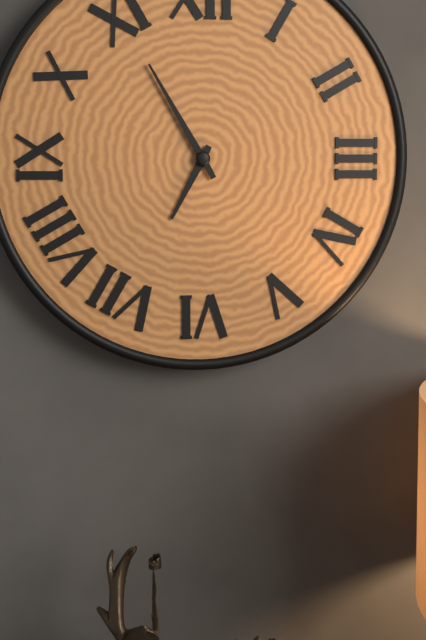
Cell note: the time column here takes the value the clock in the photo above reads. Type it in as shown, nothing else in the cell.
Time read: 6:55
